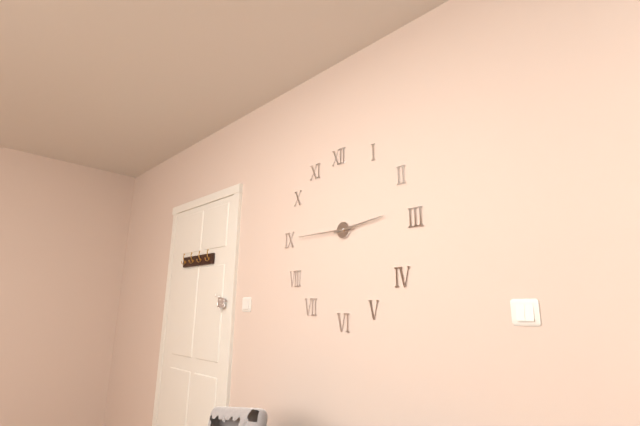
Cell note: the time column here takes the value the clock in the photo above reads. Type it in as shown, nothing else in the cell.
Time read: 2:45
